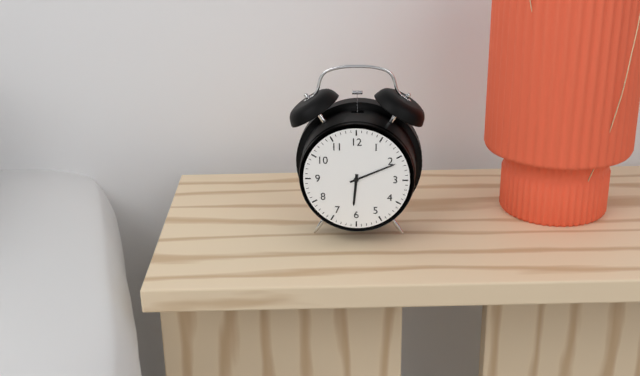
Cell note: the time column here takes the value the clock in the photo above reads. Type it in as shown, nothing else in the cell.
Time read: 6:11
